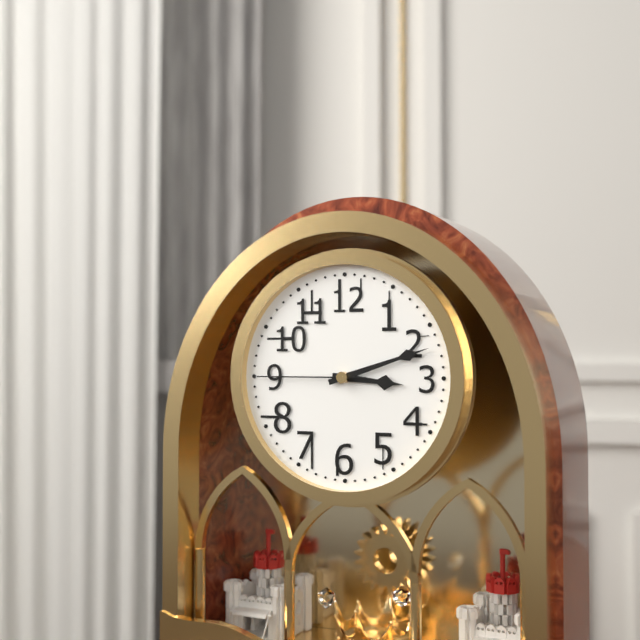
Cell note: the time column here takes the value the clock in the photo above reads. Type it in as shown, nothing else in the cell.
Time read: 3:12:45
